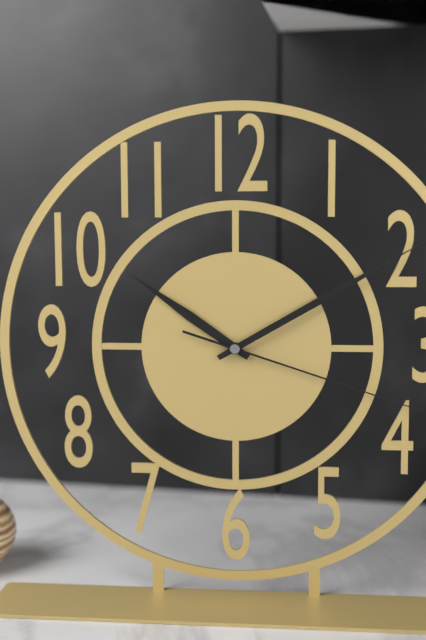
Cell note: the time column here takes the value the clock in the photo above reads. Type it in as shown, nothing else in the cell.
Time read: 10:10:18
